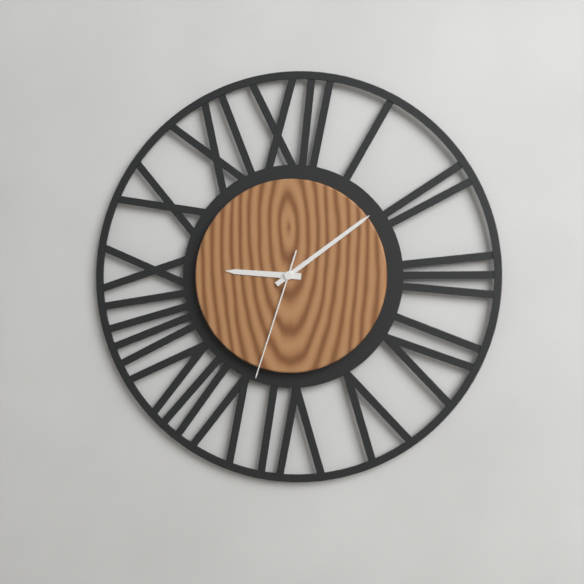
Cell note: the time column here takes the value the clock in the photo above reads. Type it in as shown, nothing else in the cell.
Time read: 9:09:33
